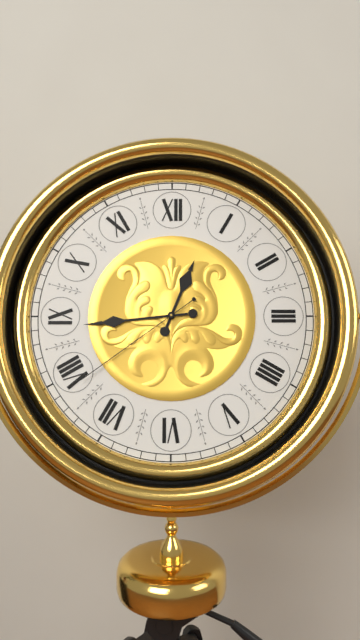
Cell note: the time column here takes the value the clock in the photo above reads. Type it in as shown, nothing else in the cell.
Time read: 12:44:39
